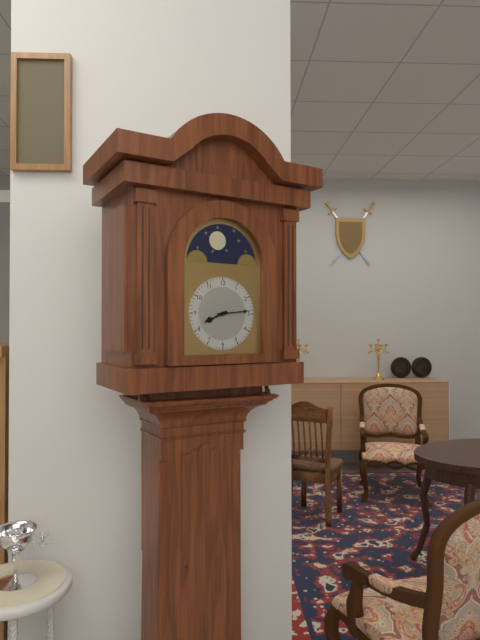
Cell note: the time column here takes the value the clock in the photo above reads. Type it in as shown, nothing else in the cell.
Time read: 8:14
